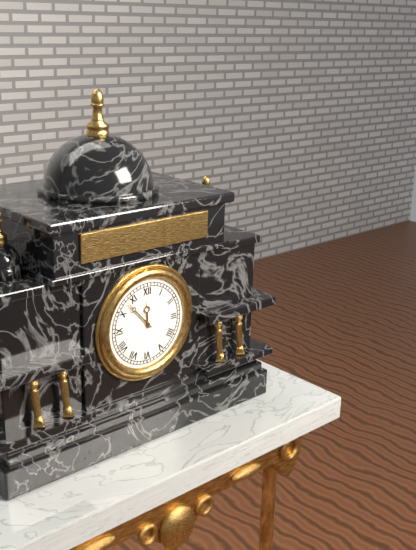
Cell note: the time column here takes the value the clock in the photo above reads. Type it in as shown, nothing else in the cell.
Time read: 11:53
